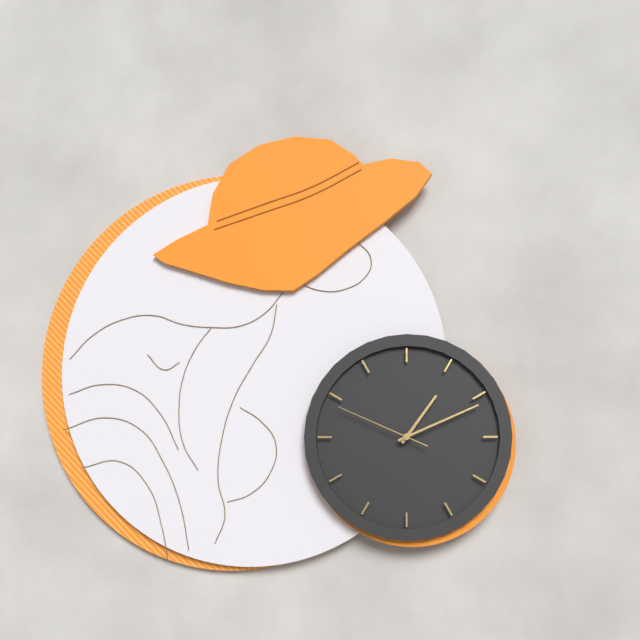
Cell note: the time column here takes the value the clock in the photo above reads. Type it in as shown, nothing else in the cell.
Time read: 1:11:49
